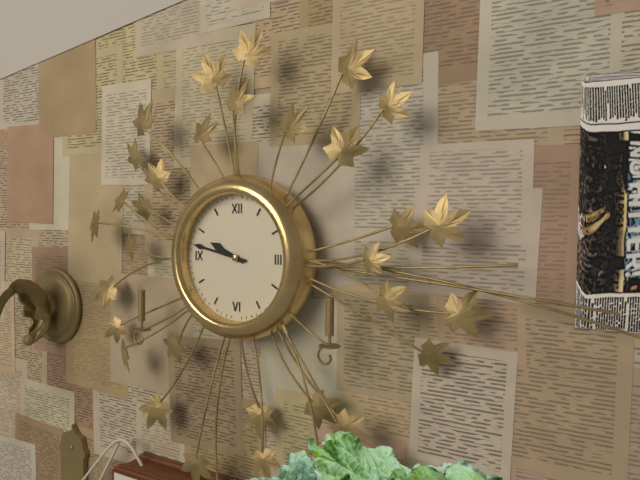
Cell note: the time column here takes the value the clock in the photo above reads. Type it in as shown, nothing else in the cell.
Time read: 9:47
